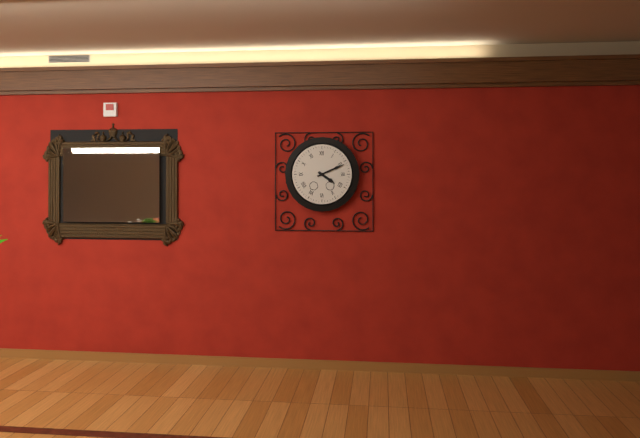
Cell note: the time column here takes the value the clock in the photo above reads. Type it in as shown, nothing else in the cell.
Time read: 4:11
